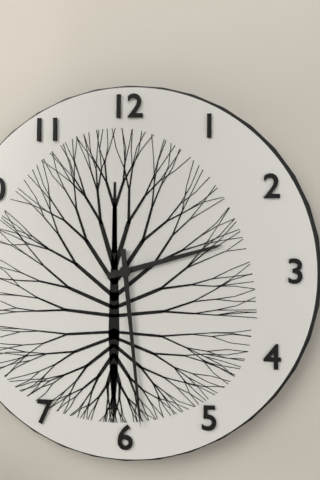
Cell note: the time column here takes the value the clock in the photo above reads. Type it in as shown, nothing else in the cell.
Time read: 2:29
